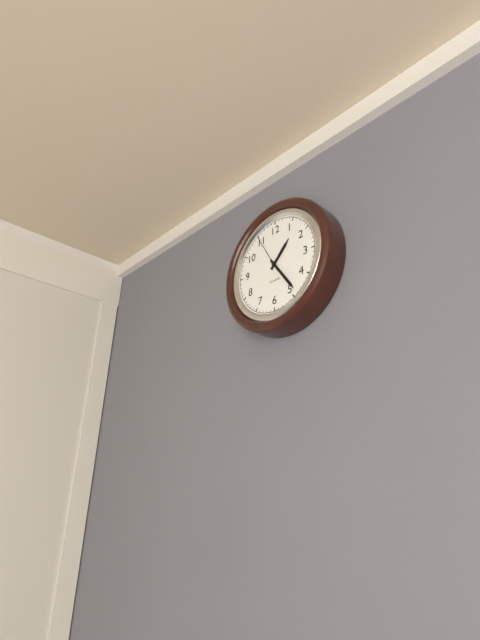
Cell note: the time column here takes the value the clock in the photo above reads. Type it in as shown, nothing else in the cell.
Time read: 1:24
